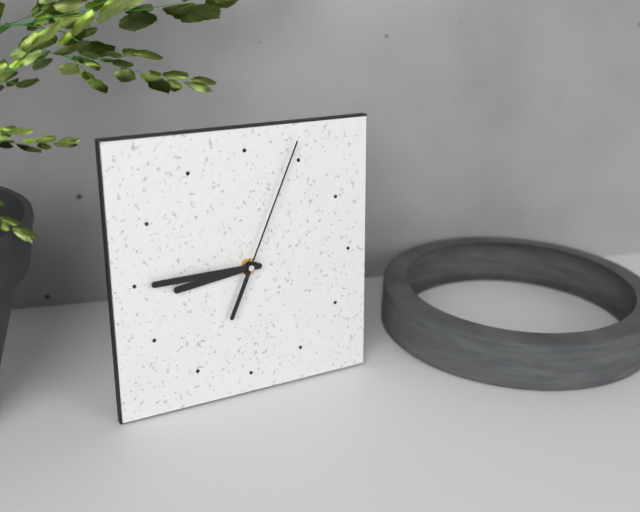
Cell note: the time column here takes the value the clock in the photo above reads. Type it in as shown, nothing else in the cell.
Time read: 8:45:04
